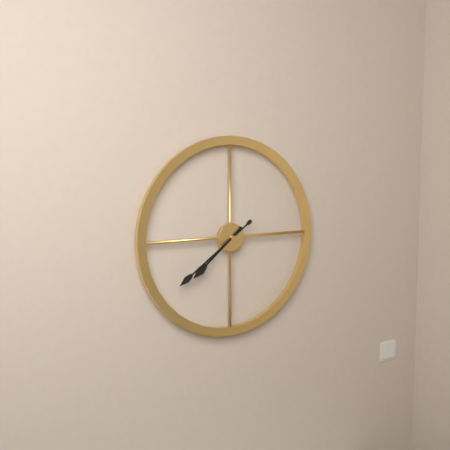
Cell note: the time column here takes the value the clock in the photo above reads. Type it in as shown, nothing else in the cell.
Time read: 7:39
